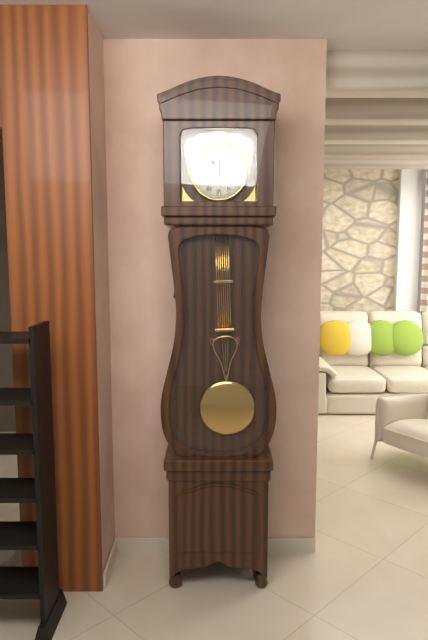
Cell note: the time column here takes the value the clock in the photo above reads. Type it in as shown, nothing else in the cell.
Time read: 11:01
